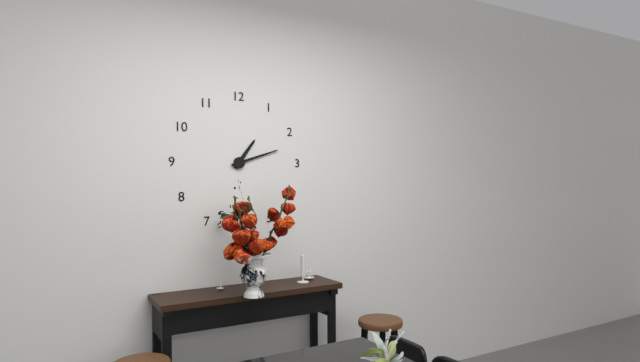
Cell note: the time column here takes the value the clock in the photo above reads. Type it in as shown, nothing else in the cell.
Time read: 1:12
